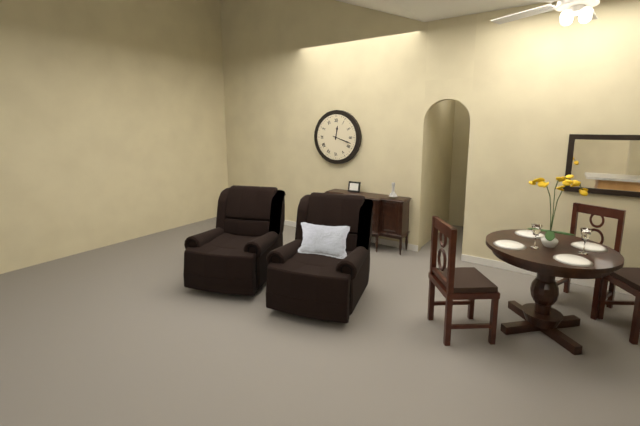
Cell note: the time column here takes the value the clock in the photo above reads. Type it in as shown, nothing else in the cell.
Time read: 12:18
